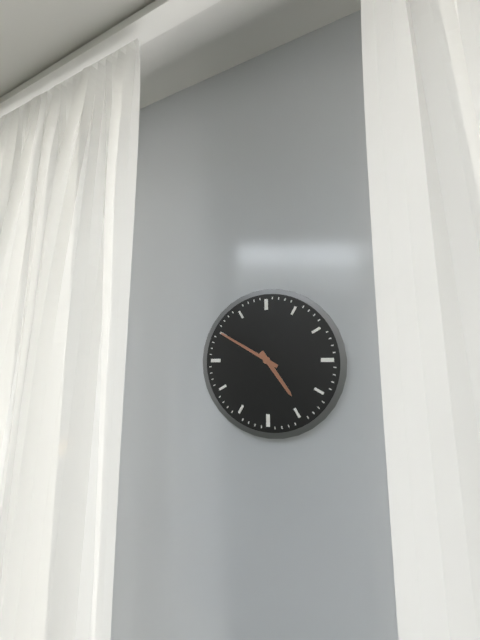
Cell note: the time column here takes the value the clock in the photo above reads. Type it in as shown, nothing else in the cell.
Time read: 4:50
